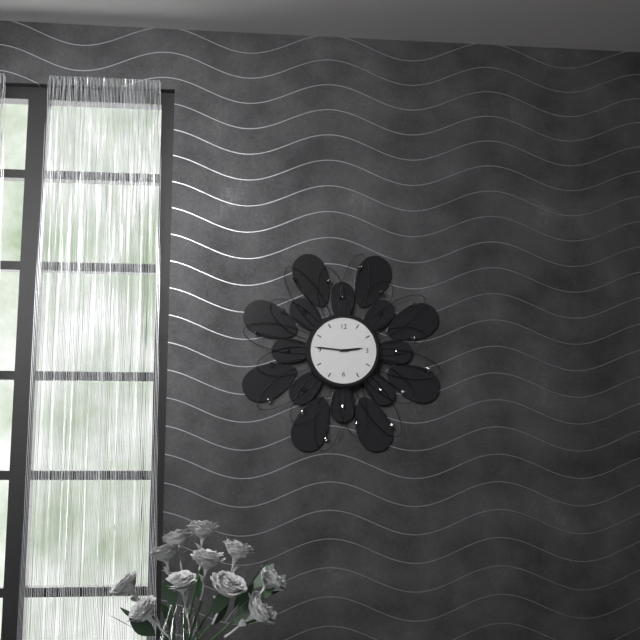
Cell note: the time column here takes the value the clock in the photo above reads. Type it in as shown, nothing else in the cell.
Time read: 2:46
